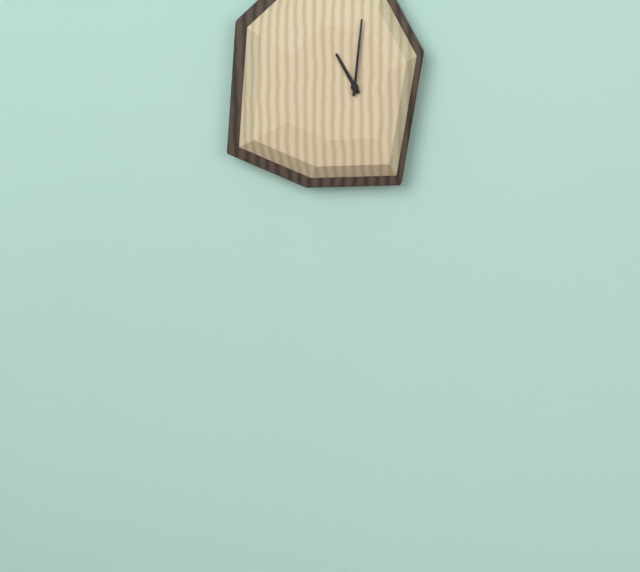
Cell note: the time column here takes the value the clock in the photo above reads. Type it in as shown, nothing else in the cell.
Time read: 11:01
